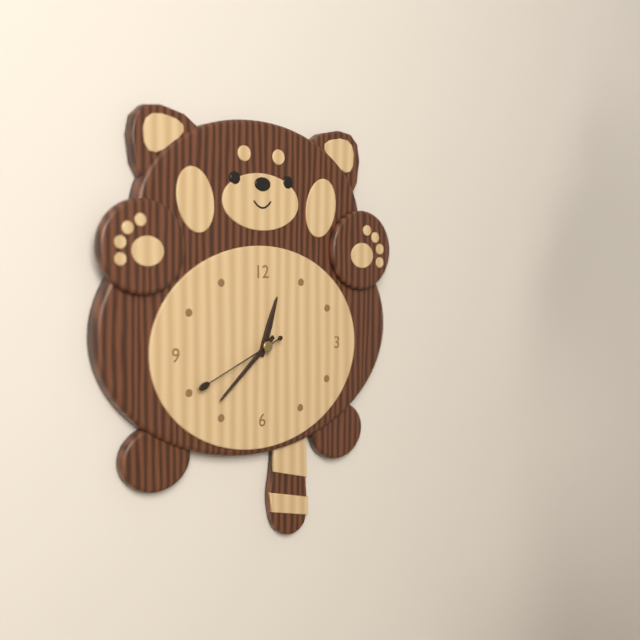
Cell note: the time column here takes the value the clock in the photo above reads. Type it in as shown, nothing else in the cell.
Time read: 12:38:41
